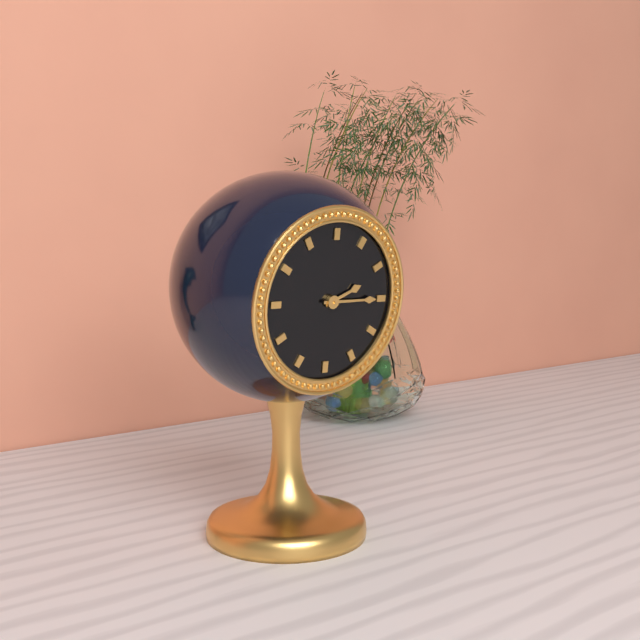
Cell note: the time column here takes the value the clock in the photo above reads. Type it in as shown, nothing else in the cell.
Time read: 2:15
